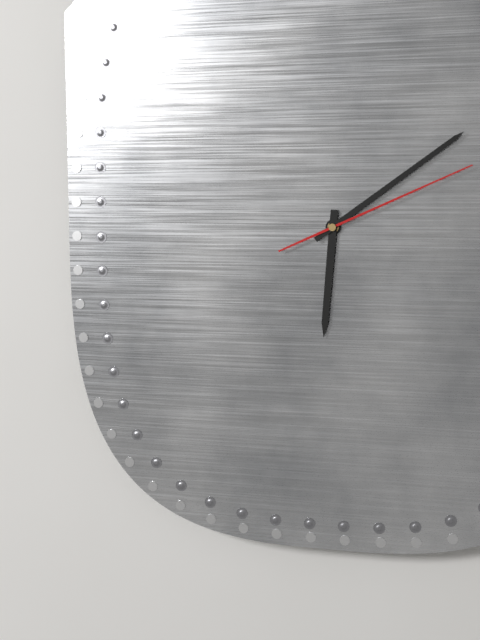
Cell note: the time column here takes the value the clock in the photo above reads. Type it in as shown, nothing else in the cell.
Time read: 6:09:11
